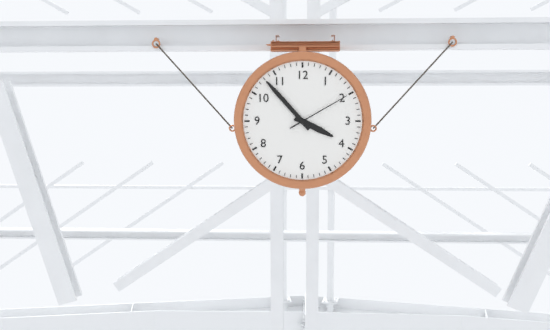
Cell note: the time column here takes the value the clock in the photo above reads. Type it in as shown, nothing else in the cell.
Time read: 3:53:10
